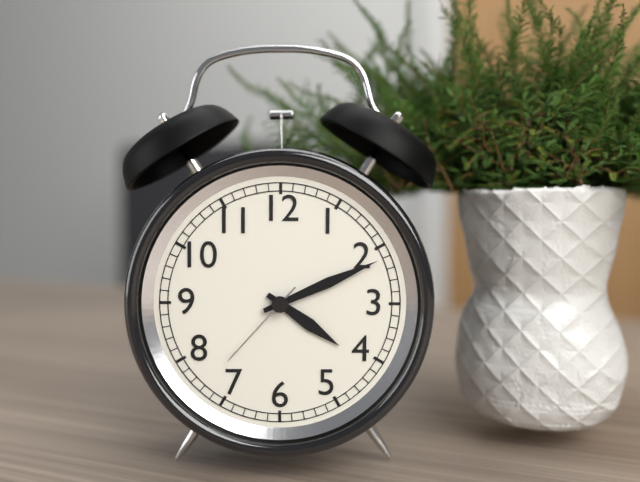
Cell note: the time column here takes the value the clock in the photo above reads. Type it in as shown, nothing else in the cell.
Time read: 4:11:37
